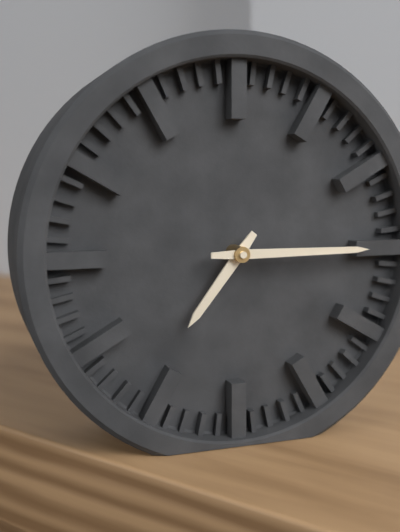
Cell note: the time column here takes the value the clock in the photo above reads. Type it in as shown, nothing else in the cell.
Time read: 7:15
